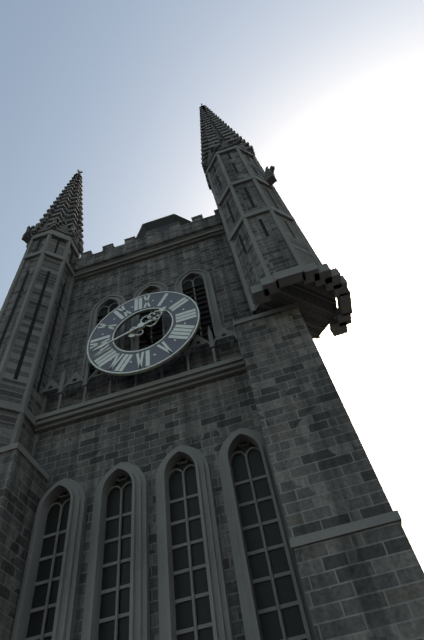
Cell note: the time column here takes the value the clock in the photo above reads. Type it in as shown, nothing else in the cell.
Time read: 1:42
